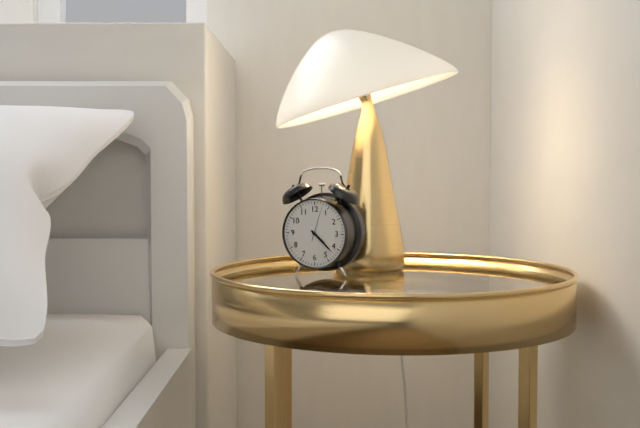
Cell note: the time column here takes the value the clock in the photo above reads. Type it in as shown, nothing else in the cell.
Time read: 4:22
